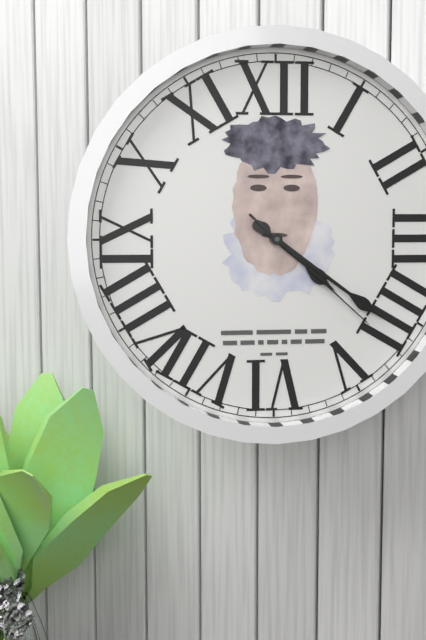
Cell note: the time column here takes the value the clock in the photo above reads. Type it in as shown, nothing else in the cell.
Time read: 4:21:22
